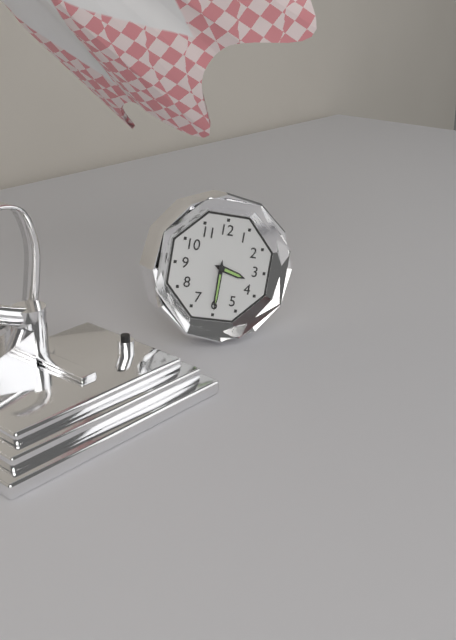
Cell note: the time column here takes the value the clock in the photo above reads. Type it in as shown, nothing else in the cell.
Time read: 3:30
